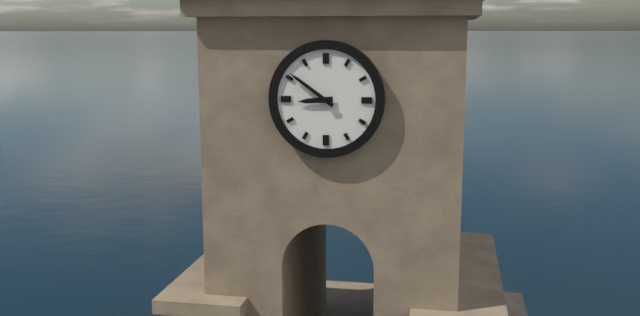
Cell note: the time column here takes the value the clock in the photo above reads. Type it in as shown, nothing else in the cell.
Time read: 8:51
